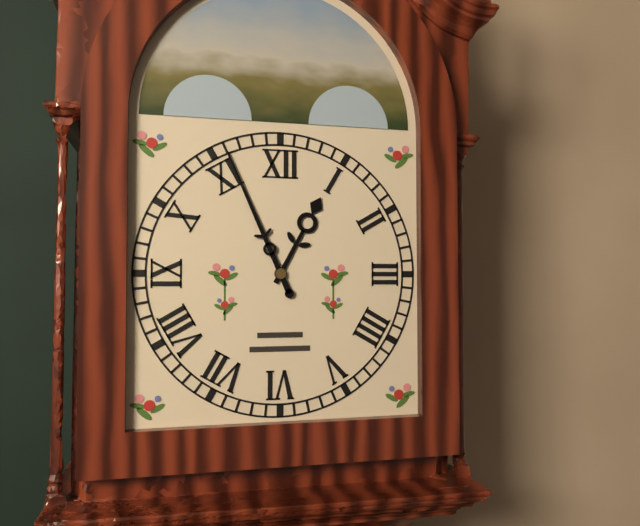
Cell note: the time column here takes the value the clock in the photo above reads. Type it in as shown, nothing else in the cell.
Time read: 12:56
